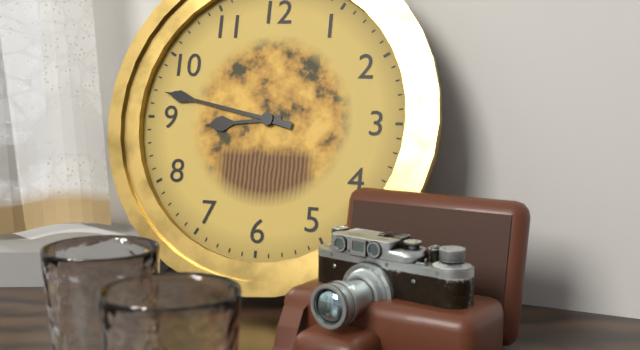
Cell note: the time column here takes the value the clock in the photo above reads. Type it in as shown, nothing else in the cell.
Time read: 8:47
